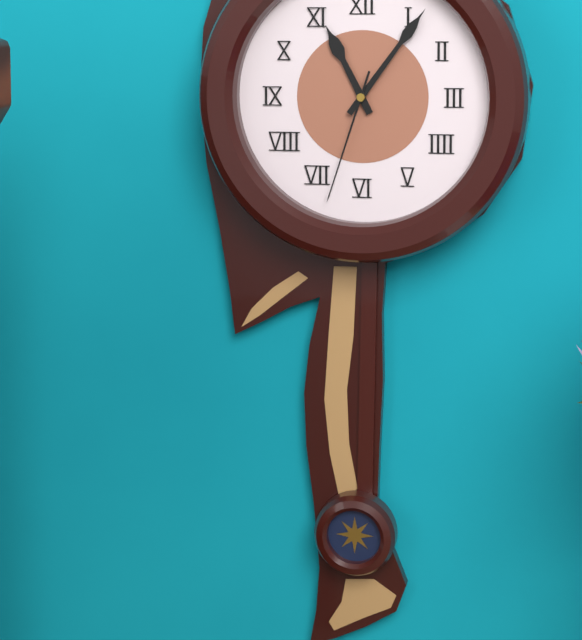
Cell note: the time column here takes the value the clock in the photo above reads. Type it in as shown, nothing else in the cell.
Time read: 11:06:33
